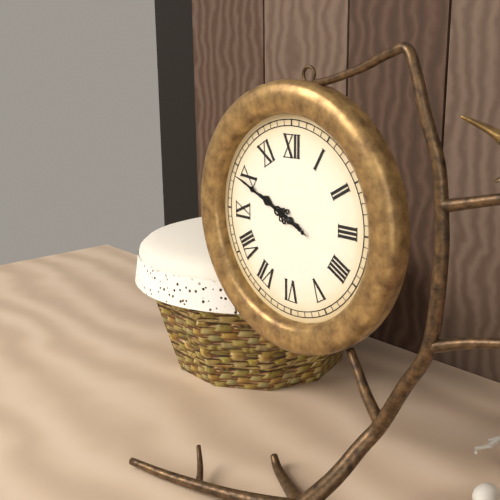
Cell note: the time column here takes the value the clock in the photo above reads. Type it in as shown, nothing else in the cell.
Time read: 9:49:49
